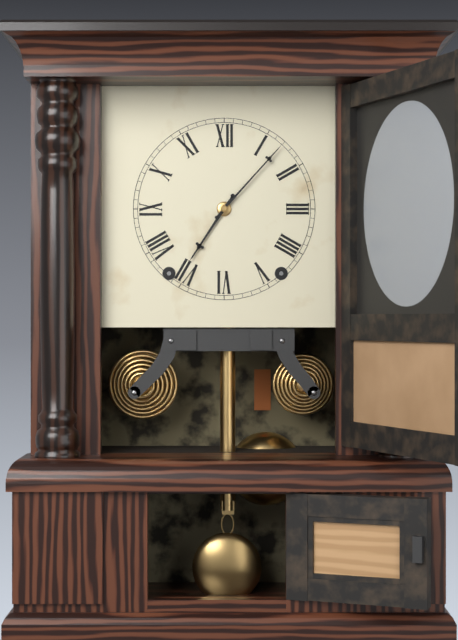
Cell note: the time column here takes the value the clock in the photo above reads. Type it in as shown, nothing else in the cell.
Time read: 7:07
